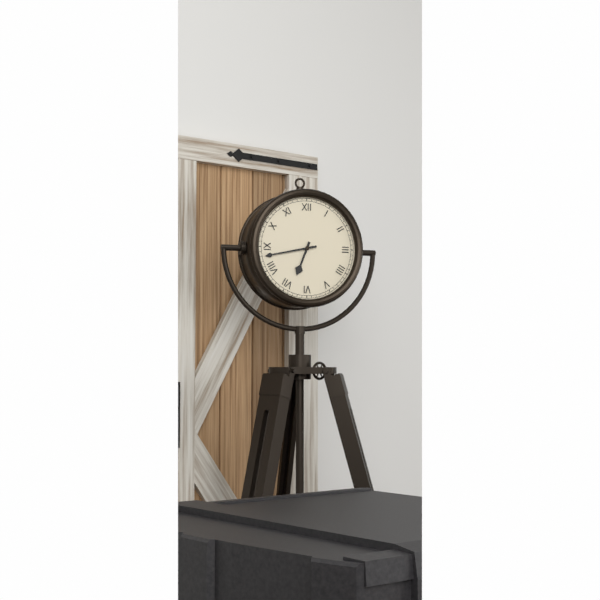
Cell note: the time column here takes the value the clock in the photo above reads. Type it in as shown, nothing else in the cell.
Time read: 6:43
